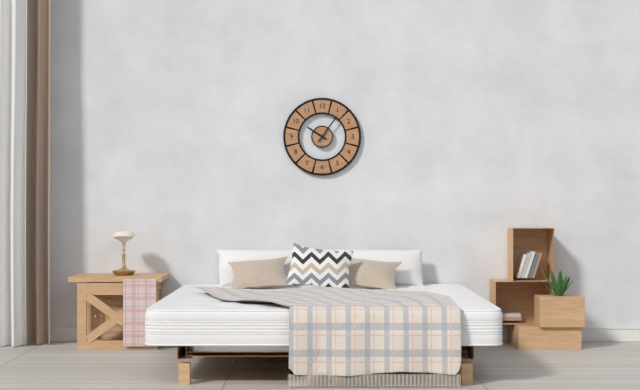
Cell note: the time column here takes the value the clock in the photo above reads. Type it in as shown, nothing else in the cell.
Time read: 10:06
